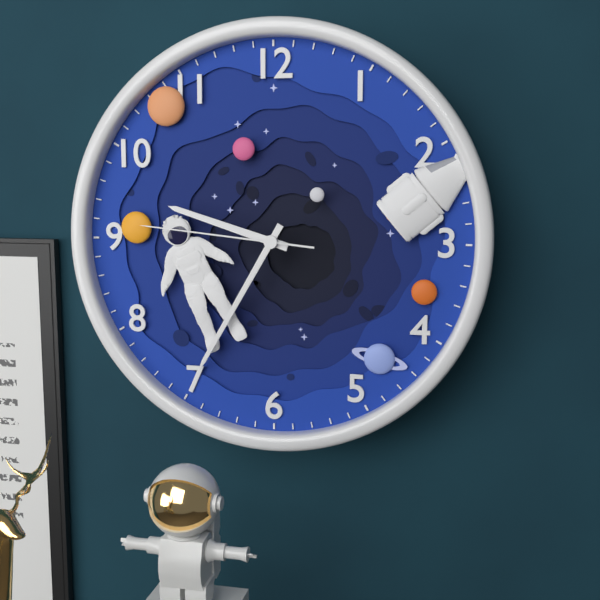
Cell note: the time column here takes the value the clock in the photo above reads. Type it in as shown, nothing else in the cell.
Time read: 9:35:46
